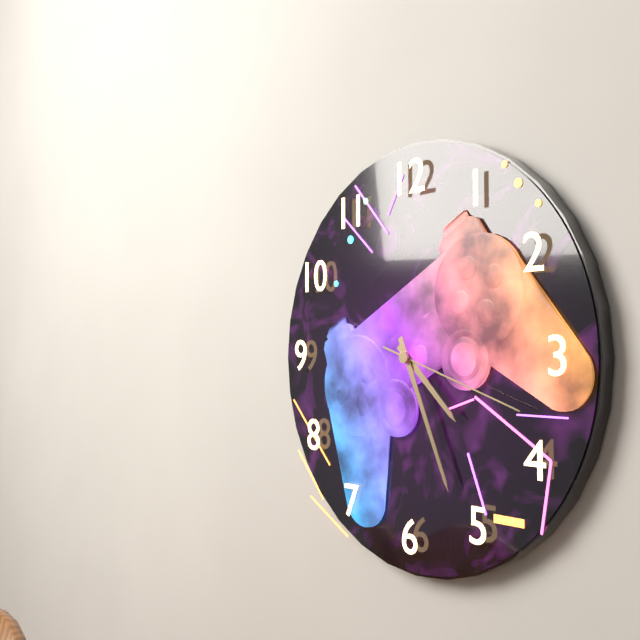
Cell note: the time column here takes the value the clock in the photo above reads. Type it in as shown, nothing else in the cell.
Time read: 4:26:18
